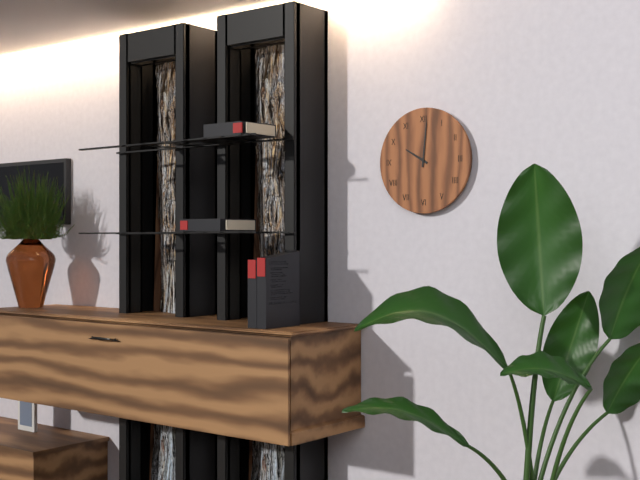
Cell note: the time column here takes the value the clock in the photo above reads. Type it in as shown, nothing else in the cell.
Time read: 10:01
